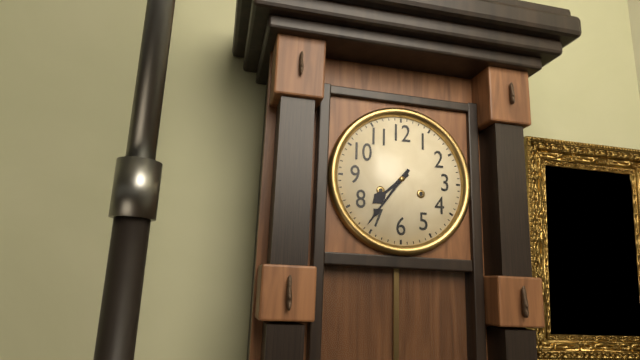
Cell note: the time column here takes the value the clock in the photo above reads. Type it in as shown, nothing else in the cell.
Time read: 7:36
